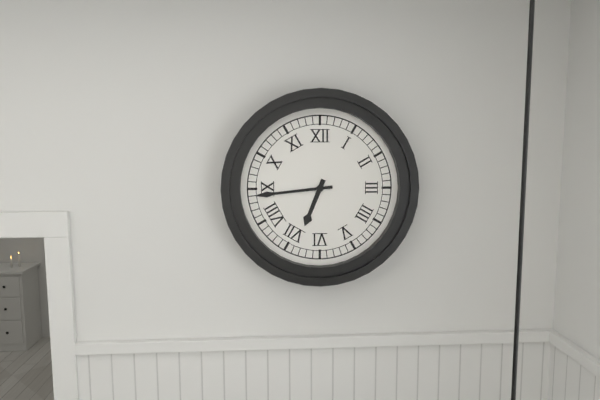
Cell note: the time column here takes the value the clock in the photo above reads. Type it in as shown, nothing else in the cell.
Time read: 6:44
